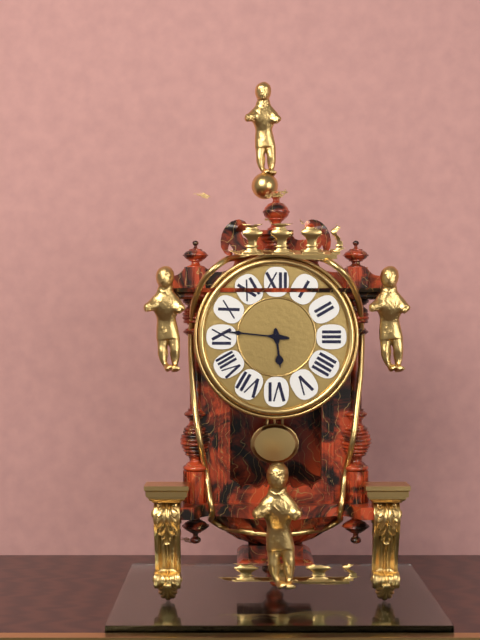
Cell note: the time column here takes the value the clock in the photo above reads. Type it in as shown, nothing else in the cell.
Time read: 5:46
